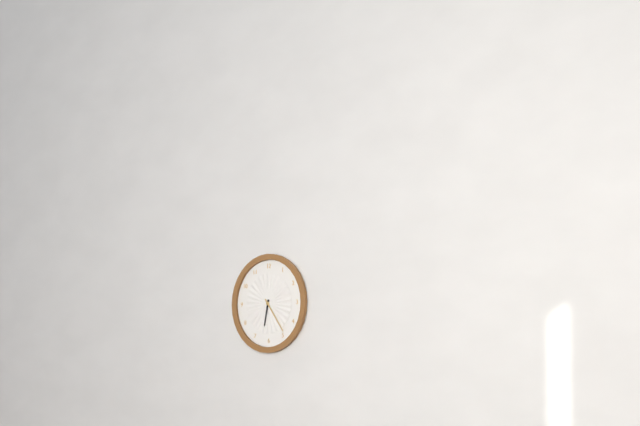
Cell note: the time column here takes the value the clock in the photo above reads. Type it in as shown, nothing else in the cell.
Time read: 6:24
